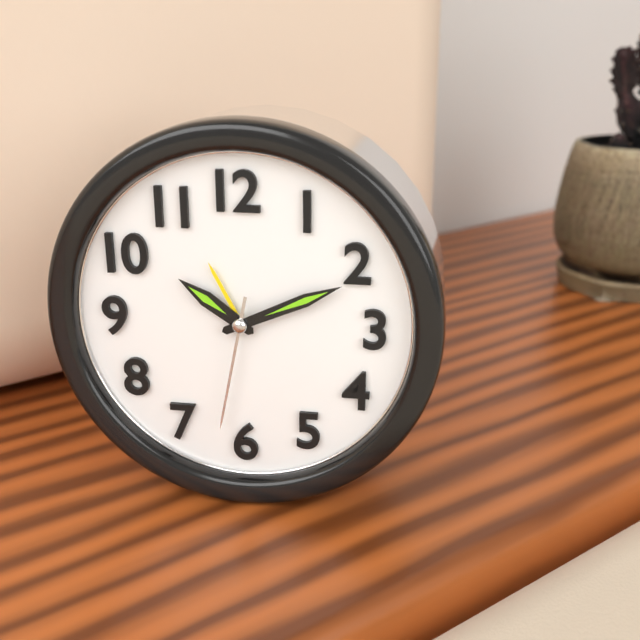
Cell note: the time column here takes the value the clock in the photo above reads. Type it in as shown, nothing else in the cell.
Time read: 10:11:32
